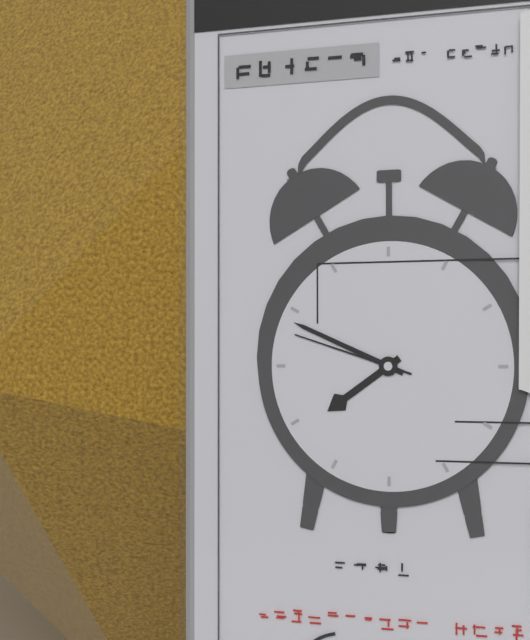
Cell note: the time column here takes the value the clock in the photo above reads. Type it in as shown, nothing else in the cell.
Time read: 7:49:48
